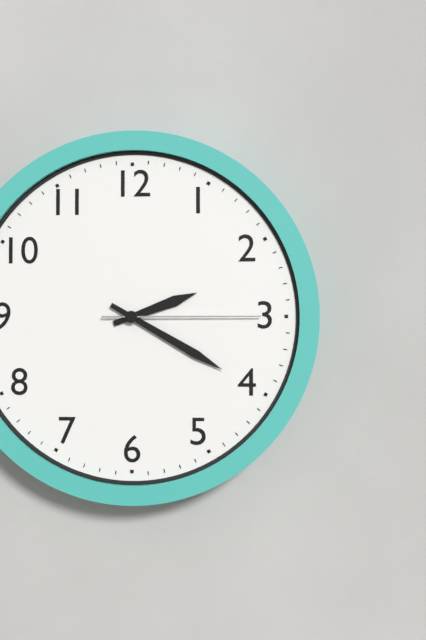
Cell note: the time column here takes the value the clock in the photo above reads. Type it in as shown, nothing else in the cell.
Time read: 2:20:15
